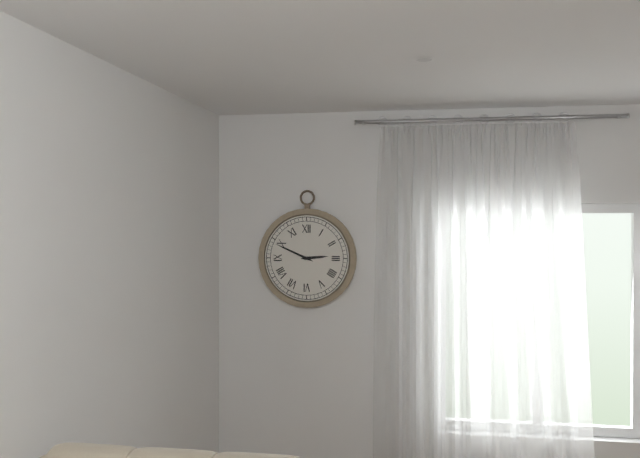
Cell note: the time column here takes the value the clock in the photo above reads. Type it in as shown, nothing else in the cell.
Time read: 2:49
